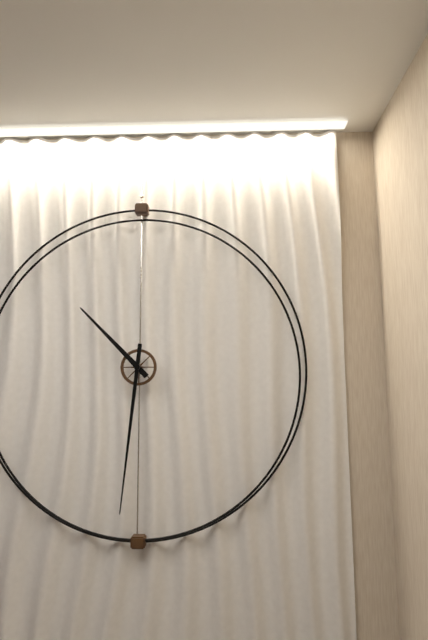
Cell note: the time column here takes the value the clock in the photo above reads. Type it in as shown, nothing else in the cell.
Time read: 10:31
